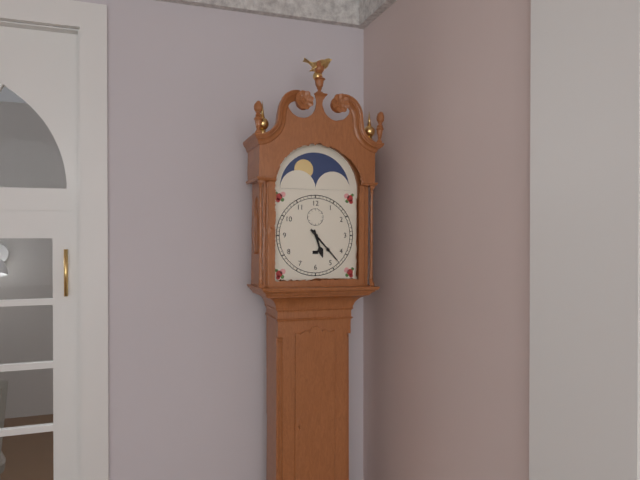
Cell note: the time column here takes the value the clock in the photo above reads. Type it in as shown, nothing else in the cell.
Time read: 5:23
